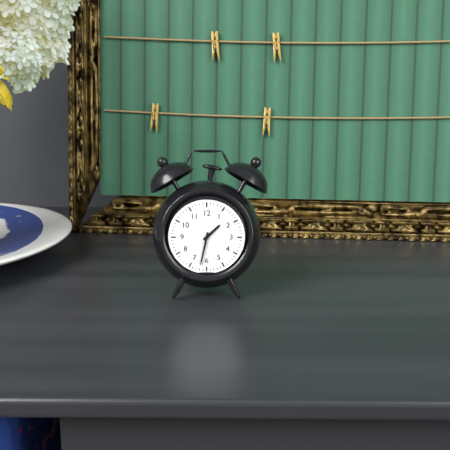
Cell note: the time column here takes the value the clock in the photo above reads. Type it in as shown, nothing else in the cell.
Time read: 1:32
